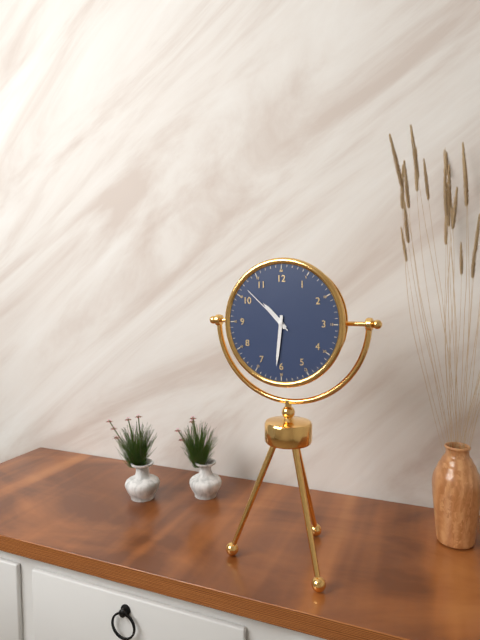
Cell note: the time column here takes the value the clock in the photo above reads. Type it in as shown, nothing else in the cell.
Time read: 10:31:52
